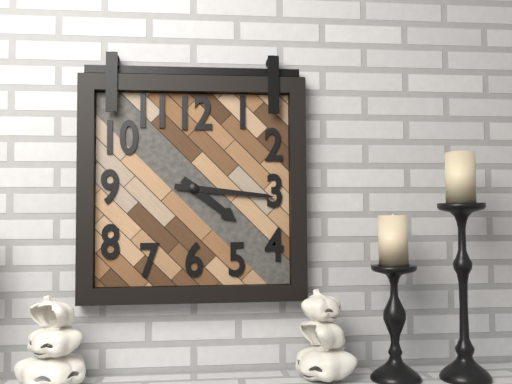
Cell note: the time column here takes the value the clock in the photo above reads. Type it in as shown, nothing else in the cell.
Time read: 4:16
